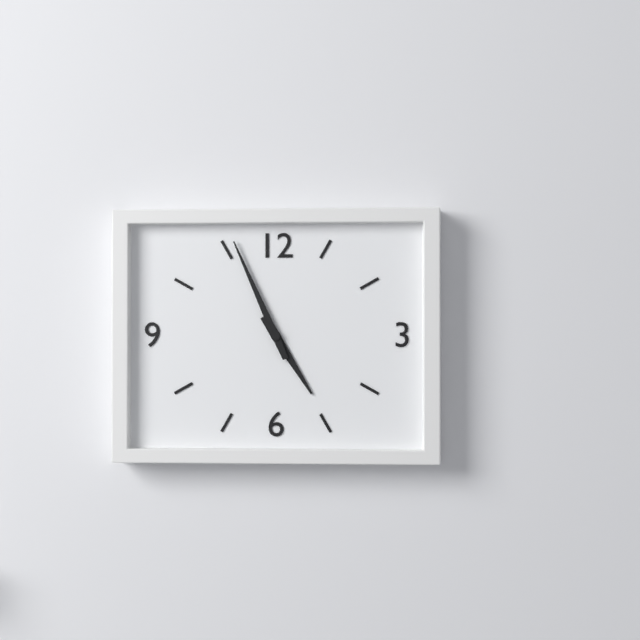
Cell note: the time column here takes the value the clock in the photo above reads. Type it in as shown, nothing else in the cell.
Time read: 4:56
